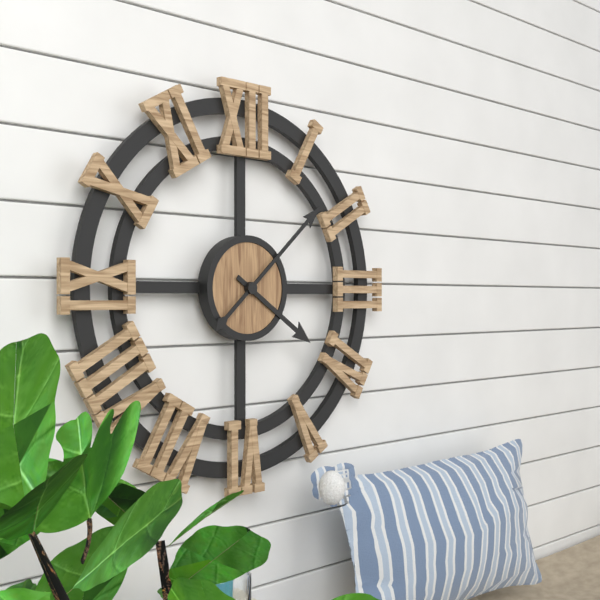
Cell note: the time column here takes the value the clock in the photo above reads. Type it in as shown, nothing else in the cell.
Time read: 4:08
